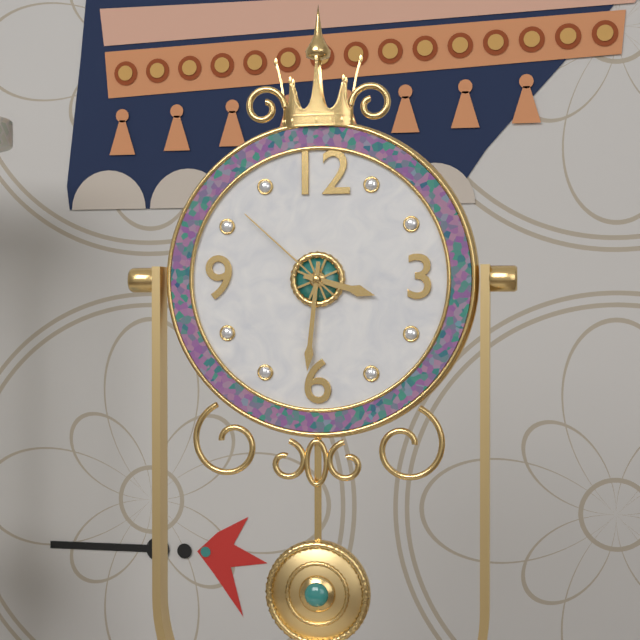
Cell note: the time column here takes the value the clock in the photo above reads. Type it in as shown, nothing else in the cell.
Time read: 3:31:52
